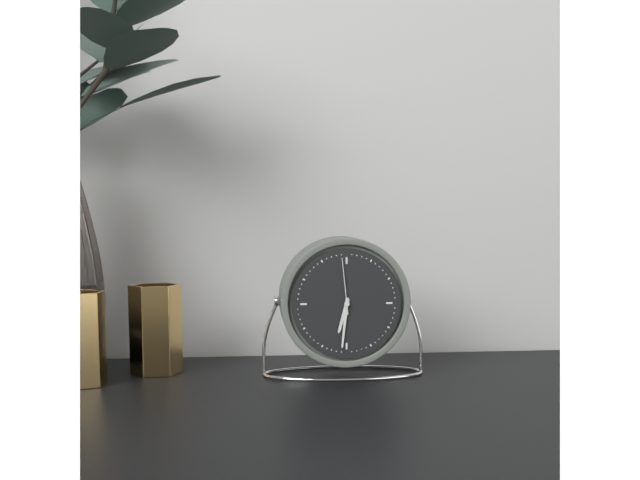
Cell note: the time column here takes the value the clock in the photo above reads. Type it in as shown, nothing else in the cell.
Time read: 6:31:59
